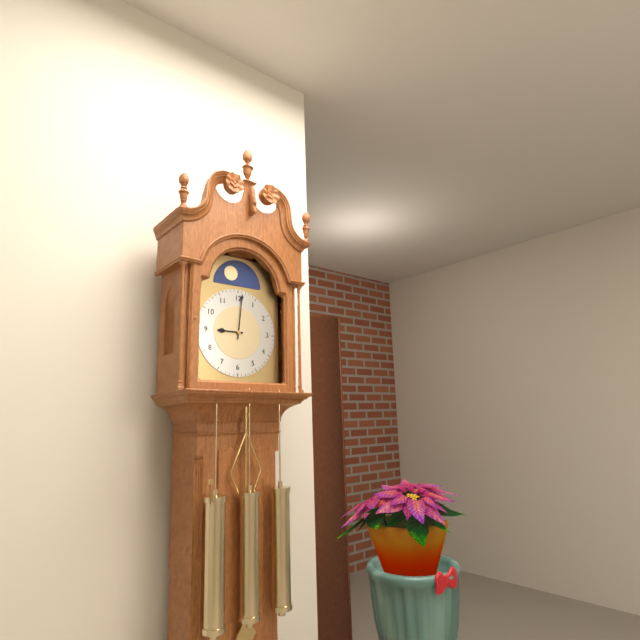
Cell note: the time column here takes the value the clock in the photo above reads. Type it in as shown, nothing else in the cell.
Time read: 9:01
